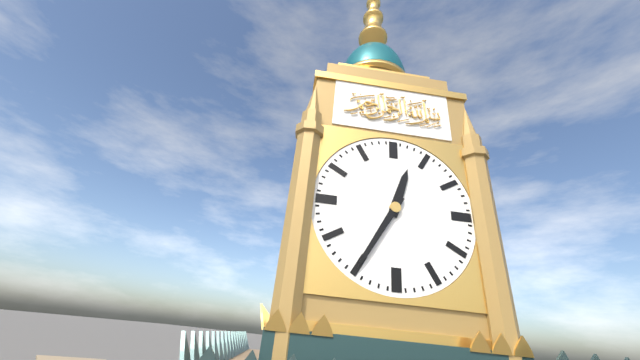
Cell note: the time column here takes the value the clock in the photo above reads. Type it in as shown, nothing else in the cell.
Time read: 12:35
